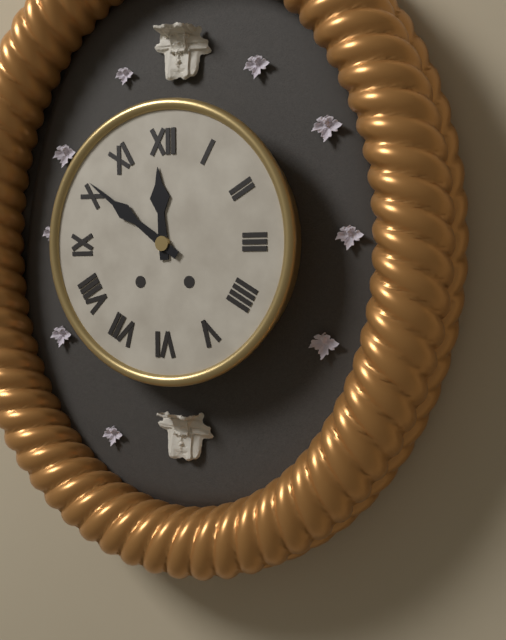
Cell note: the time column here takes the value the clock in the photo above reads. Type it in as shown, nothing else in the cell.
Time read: 11:51
